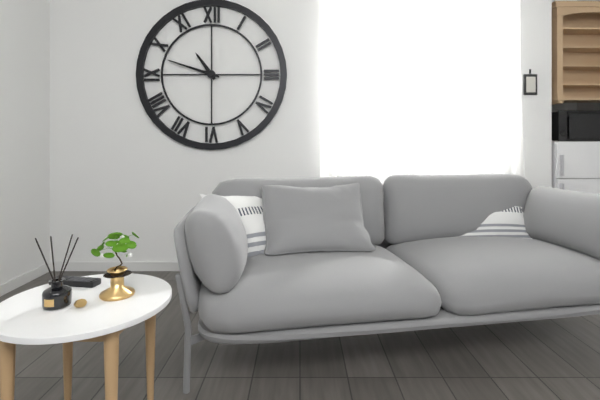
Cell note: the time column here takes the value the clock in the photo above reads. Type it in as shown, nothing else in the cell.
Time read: 10:48
